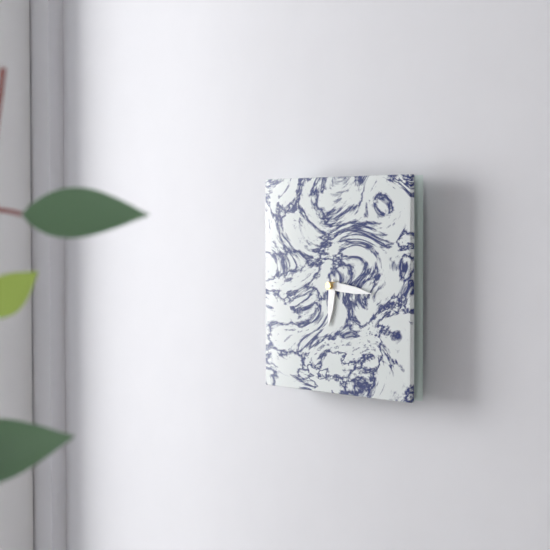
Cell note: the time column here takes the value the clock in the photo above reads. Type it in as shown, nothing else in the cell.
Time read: 6:16
